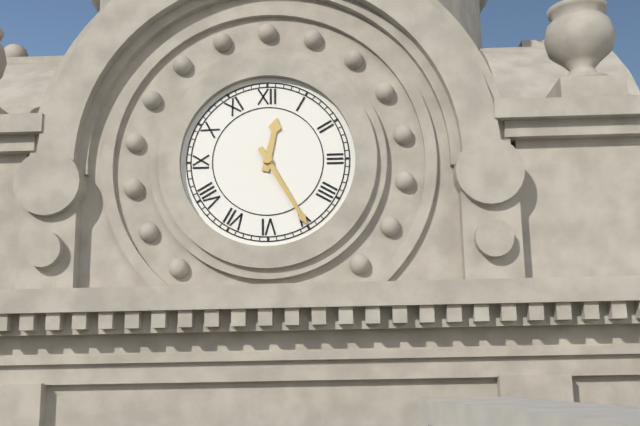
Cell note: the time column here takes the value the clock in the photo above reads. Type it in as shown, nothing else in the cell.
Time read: 12:25
